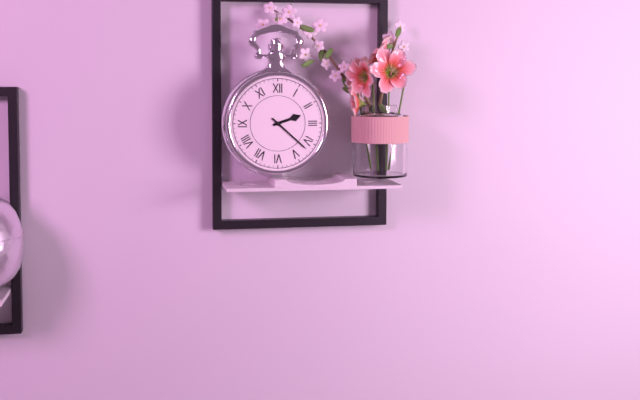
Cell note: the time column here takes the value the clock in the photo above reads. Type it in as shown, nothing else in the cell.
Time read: 2:22
